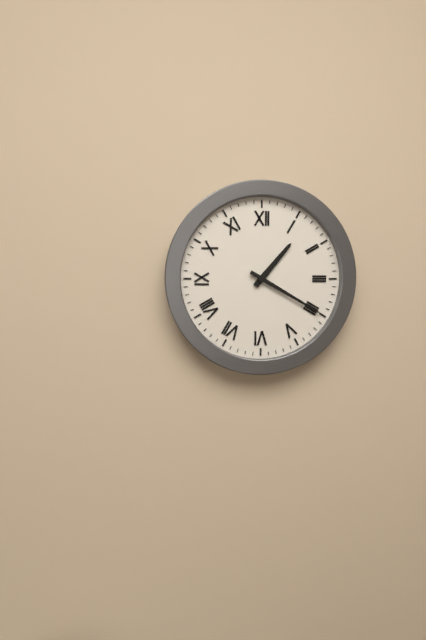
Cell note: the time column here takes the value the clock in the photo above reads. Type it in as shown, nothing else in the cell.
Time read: 1:20
